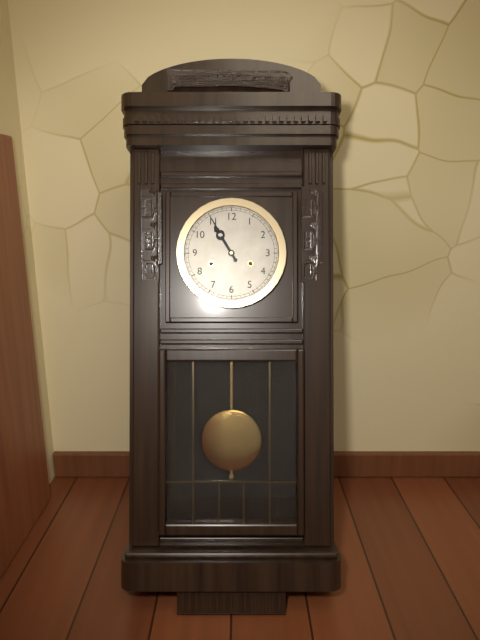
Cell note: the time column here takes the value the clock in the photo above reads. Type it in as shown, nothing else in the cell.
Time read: 10:55
